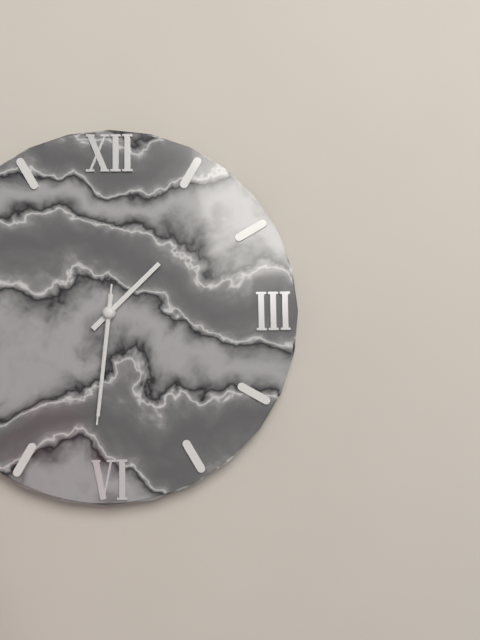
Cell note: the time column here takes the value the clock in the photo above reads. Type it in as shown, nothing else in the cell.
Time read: 1:31:31
